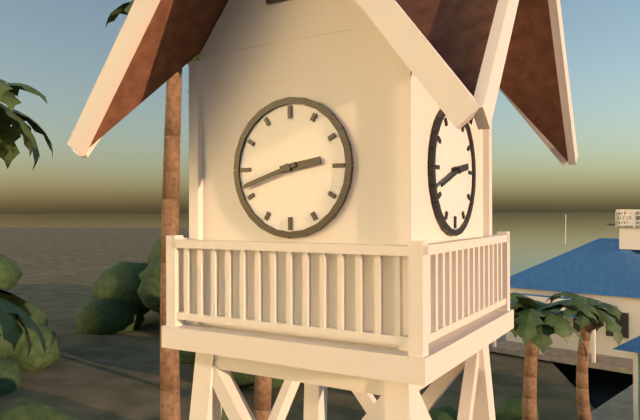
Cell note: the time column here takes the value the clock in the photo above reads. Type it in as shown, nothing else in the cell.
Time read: 2:42
